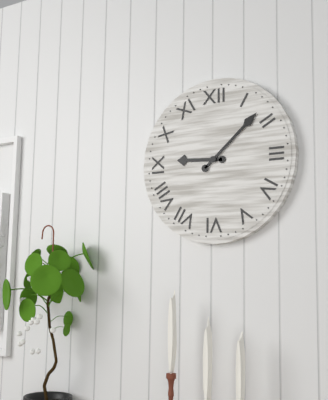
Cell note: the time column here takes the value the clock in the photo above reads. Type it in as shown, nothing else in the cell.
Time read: 9:08
